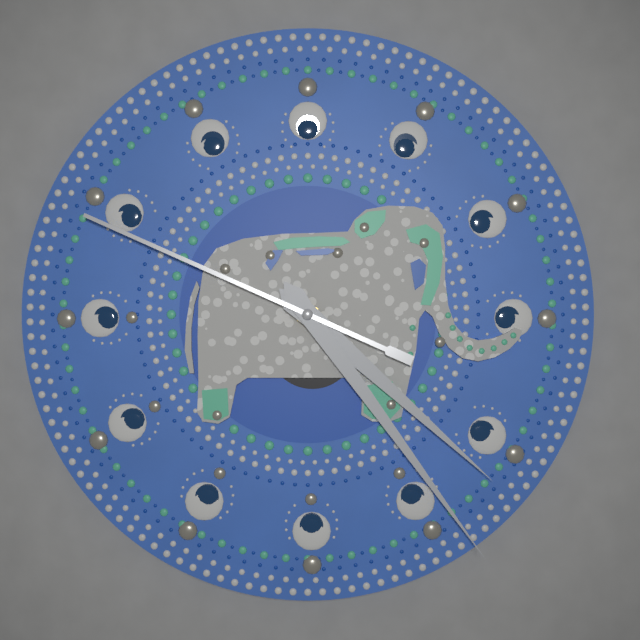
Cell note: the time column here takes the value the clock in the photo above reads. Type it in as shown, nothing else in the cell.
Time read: 4:24:49
